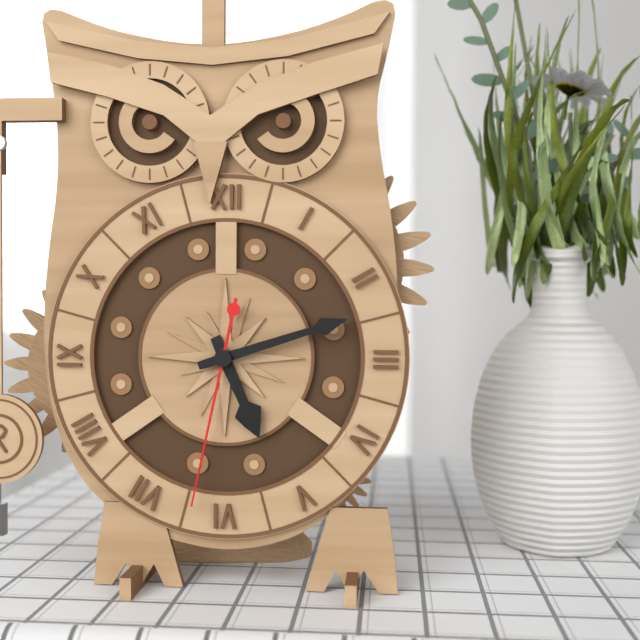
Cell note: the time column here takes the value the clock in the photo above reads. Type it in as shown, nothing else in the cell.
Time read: 5:12:32
